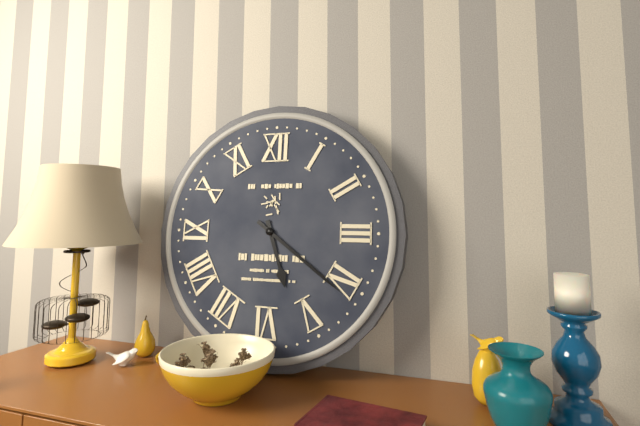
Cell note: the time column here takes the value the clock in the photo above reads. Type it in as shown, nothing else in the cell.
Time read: 5:21
